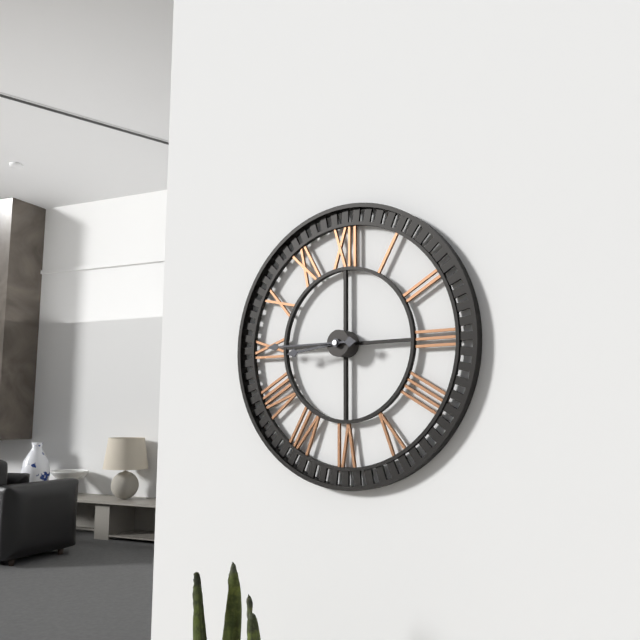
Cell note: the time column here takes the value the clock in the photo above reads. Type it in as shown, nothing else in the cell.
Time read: 8:45
